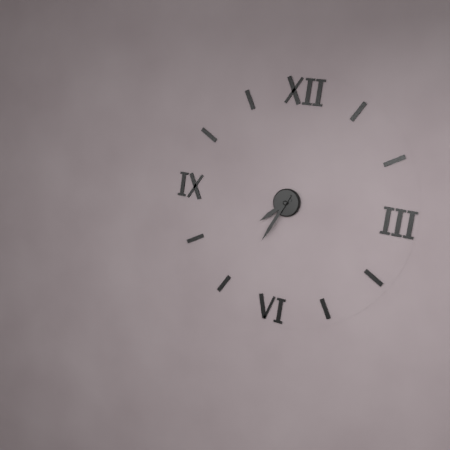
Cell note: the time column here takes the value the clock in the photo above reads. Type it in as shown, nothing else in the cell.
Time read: 7:34
